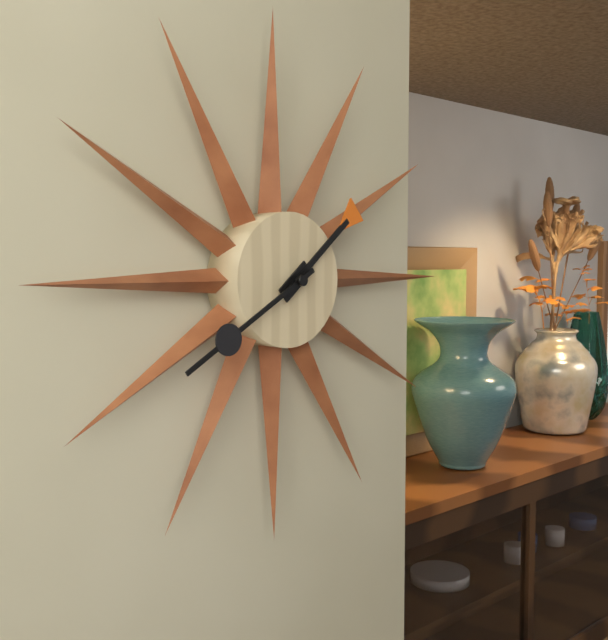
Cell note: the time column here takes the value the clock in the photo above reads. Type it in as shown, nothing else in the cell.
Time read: 1:40
